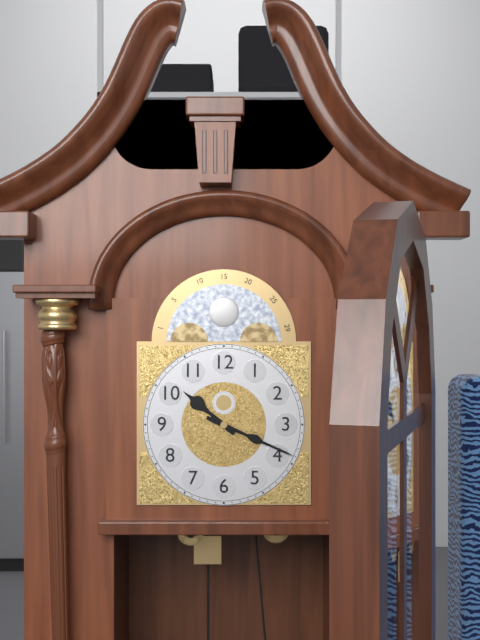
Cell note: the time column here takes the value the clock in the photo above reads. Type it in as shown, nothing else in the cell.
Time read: 10:19
